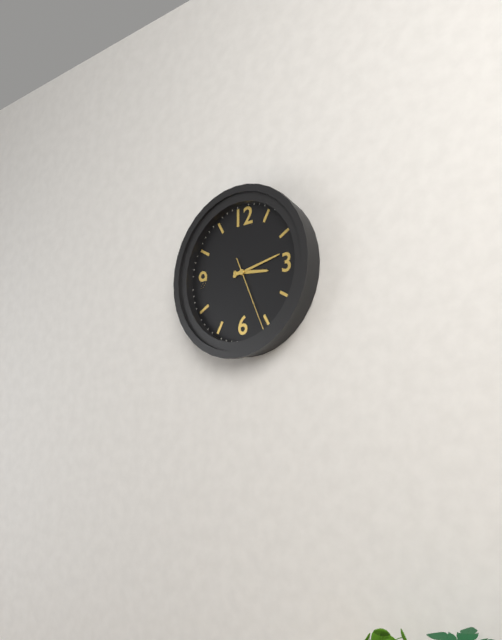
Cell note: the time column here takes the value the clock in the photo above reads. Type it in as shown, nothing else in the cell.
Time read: 3:13:26
